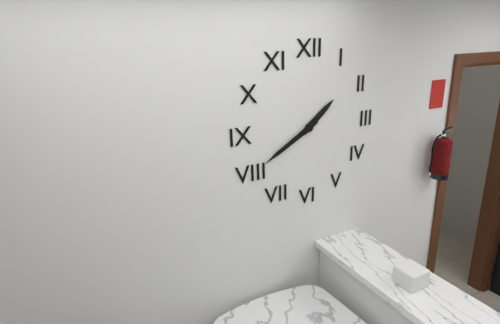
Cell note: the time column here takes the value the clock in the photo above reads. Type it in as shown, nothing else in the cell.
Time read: 1:40
